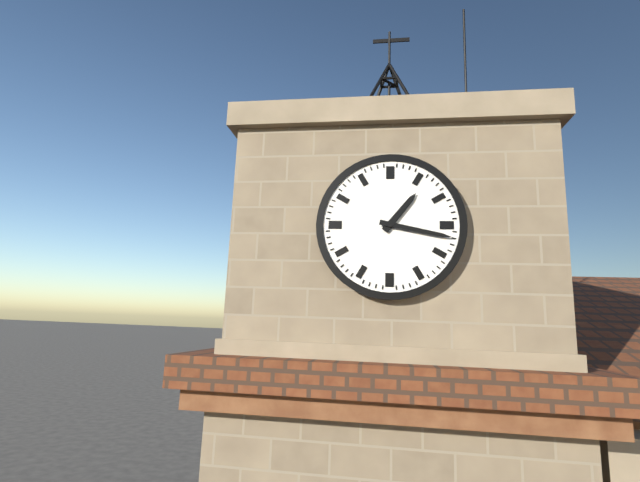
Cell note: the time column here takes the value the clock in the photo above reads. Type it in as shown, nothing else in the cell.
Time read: 1:17
